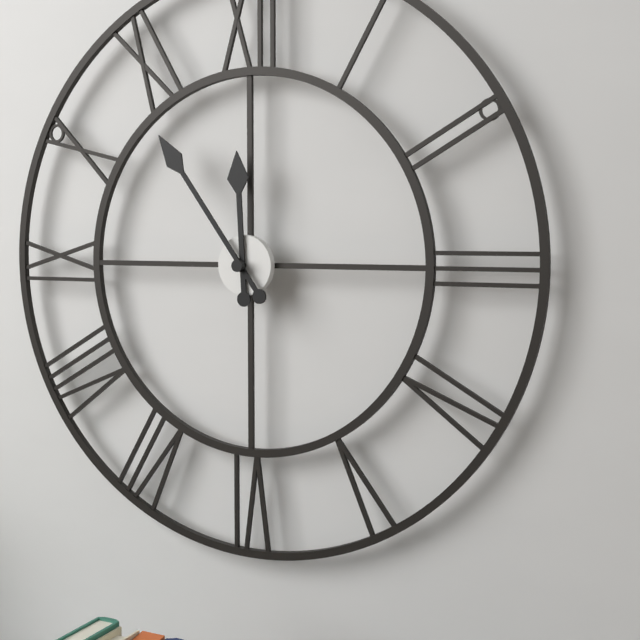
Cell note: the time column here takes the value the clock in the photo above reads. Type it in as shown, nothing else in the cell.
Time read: 11:54
